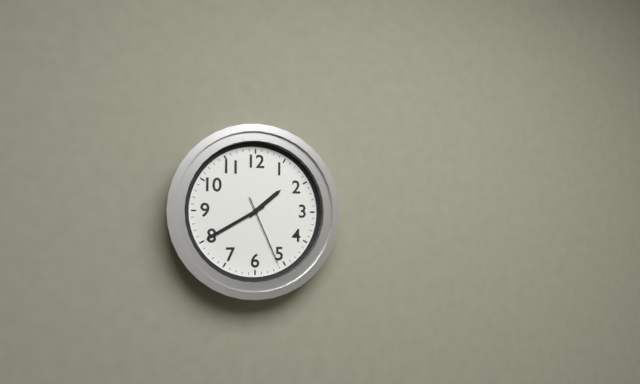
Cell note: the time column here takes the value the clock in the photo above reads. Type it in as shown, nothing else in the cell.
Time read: 1:40:26
